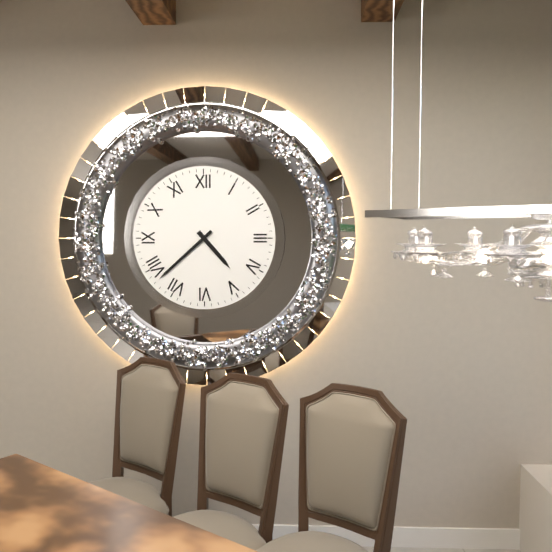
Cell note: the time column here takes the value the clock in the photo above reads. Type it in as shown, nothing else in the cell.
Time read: 4:38
